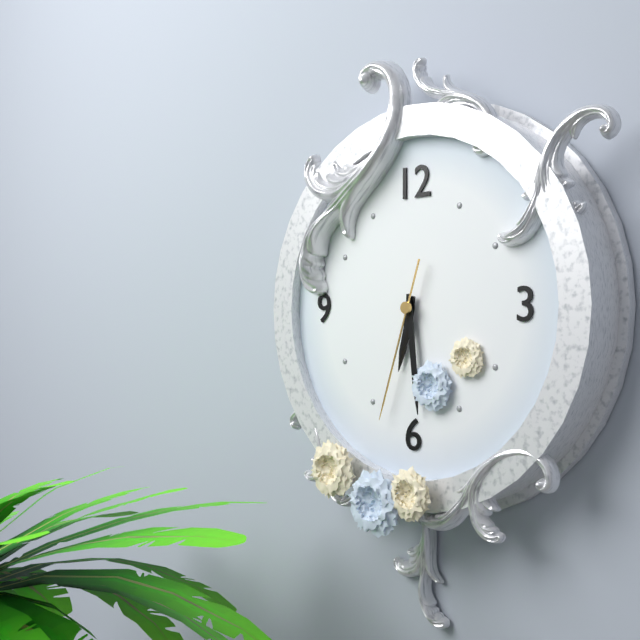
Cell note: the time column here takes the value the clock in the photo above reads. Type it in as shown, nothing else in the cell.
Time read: 6:29:33
